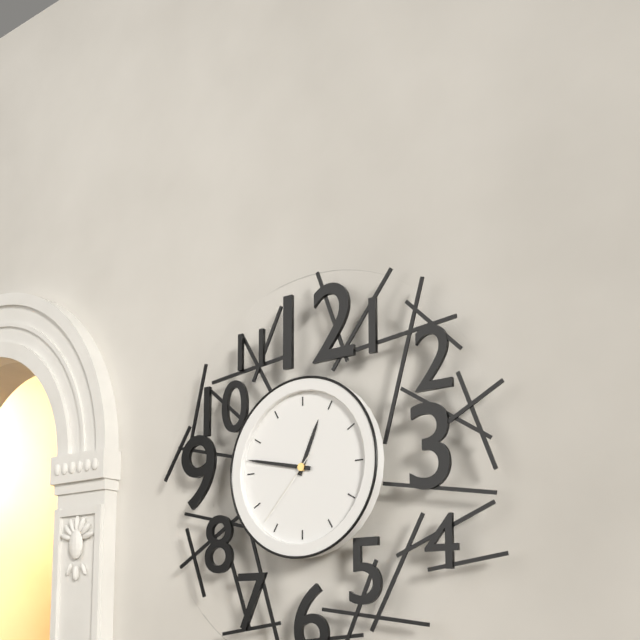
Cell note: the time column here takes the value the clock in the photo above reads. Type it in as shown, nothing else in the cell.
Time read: 12:47:37
